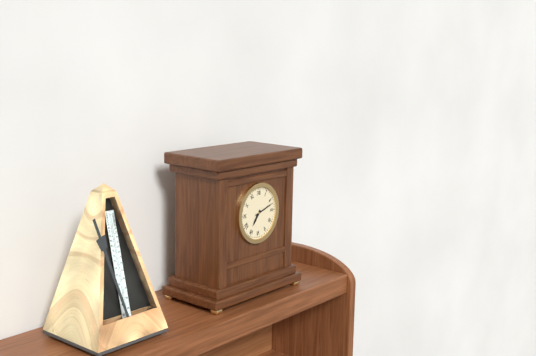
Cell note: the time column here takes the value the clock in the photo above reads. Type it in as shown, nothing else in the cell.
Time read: 7:12
